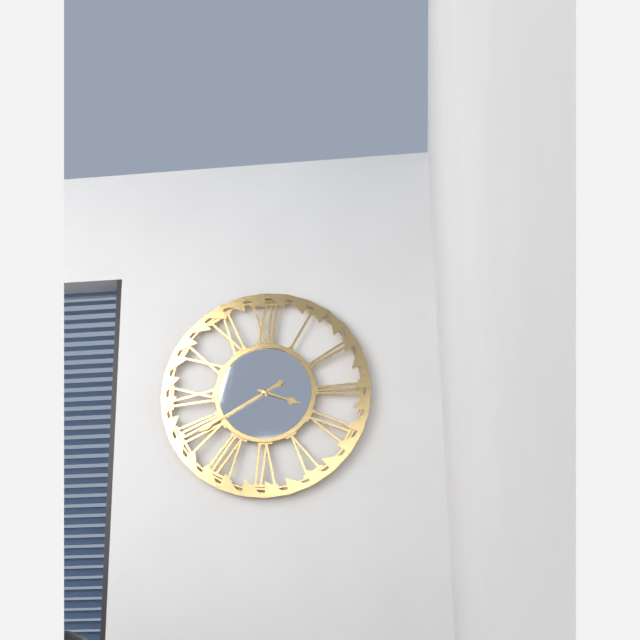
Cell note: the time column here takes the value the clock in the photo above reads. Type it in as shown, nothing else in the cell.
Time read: 3:40
